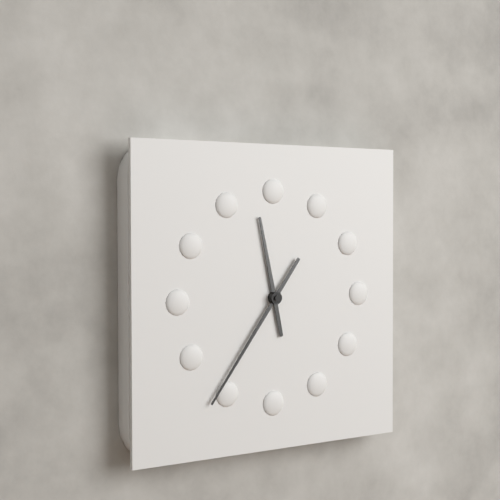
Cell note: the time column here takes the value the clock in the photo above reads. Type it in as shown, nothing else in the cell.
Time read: 11:36
